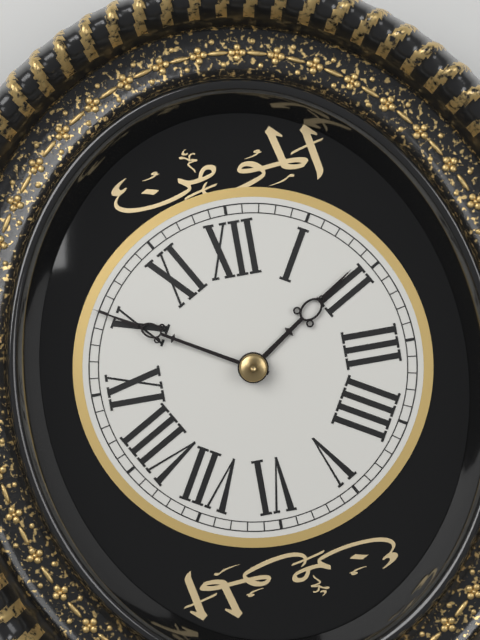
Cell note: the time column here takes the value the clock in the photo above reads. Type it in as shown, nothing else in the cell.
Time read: 1:50
